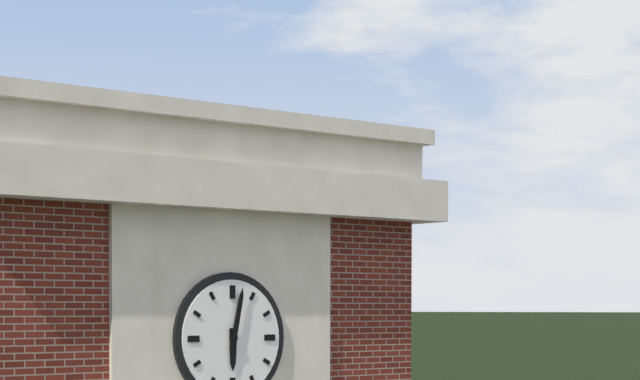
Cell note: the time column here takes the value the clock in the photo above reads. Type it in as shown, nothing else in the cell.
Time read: 6:02
